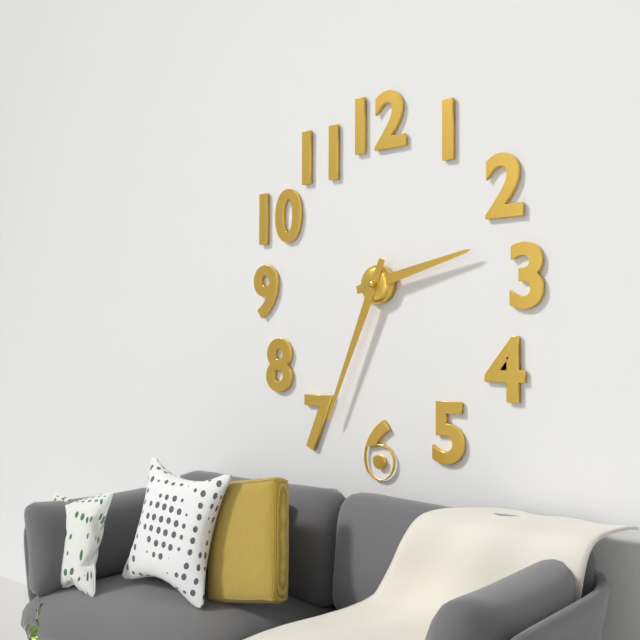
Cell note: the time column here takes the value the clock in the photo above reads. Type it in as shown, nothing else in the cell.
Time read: 2:34
